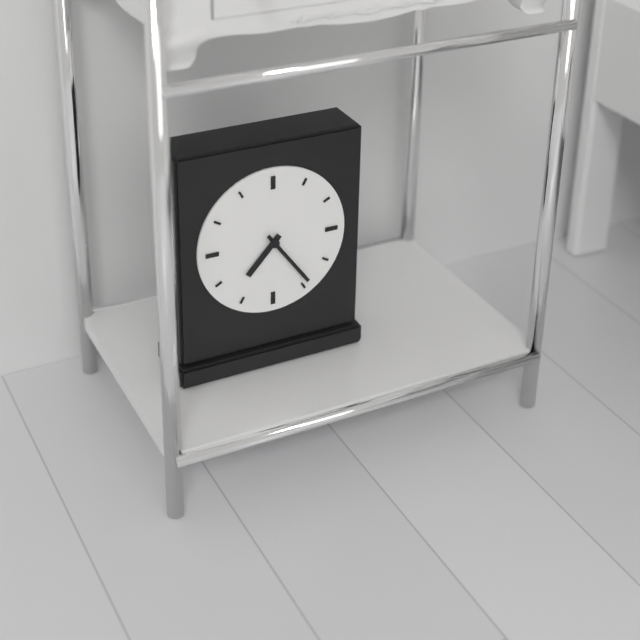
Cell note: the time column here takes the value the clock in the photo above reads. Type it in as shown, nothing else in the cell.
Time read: 7:24
